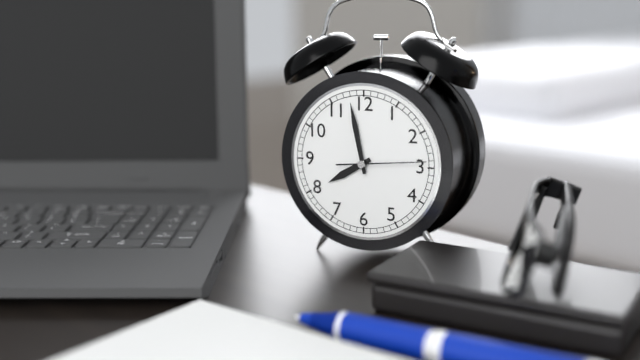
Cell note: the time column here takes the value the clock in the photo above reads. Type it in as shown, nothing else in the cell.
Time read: 7:58:14
